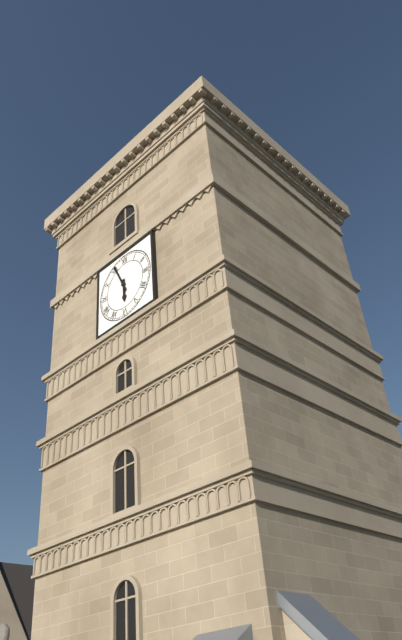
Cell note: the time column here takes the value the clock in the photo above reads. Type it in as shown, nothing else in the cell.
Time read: 5:56
